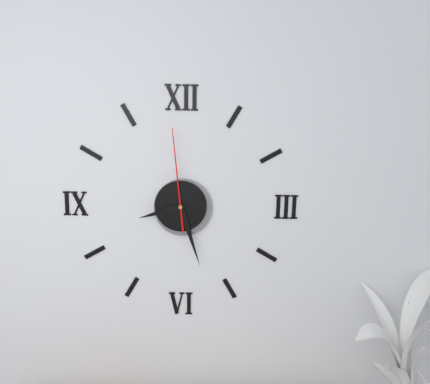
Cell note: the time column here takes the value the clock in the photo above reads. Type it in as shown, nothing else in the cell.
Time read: 8:27:59
